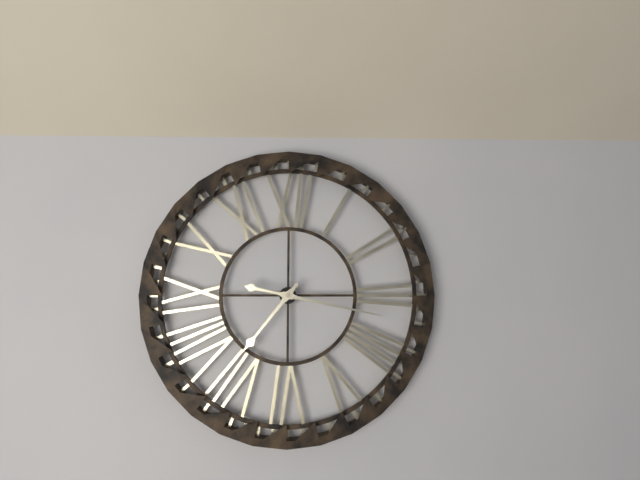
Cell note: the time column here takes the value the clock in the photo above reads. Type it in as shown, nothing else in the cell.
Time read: 7:17
